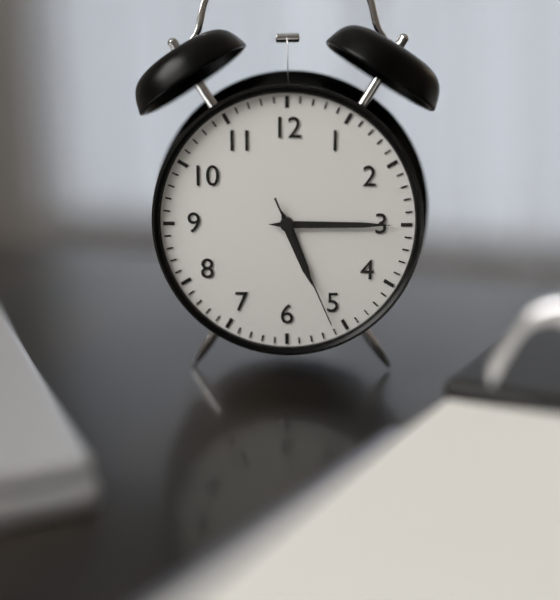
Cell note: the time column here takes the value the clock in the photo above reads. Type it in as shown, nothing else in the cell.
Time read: 5:15:26
